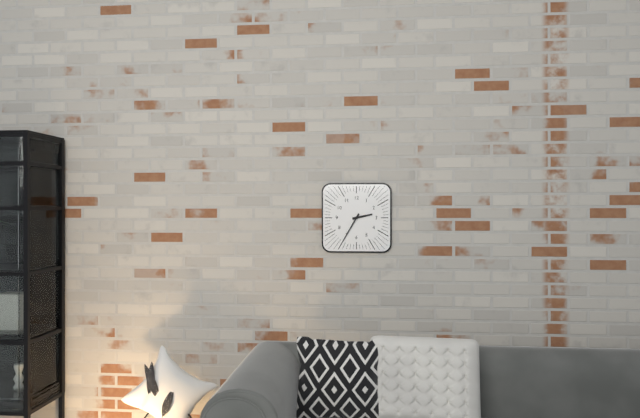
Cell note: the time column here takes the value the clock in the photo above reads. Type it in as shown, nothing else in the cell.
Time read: 2:35
